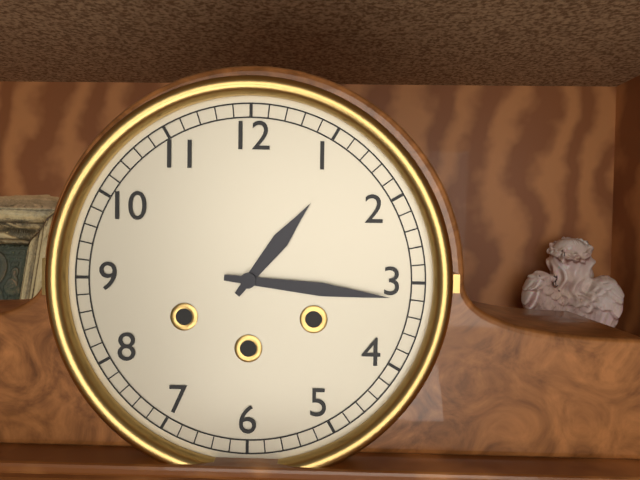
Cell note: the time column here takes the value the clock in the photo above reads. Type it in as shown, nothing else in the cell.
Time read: 1:16
